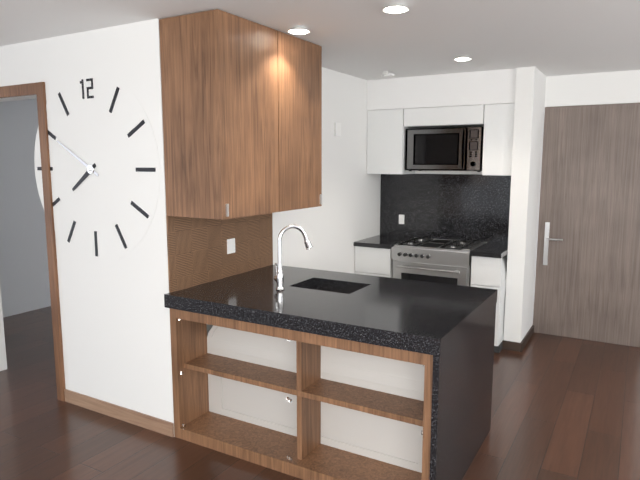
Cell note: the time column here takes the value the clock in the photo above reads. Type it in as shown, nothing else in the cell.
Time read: 7:50
